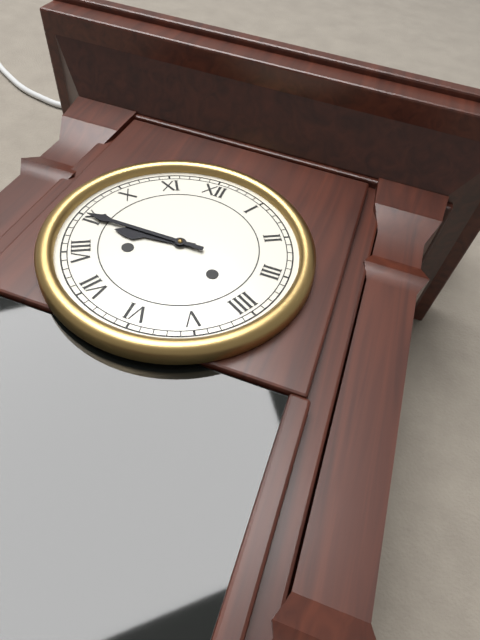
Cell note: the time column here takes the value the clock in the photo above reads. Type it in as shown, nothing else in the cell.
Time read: 8:45
